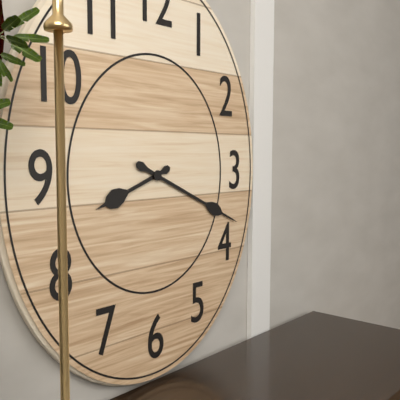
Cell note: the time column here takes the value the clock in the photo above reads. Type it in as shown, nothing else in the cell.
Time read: 8:19
